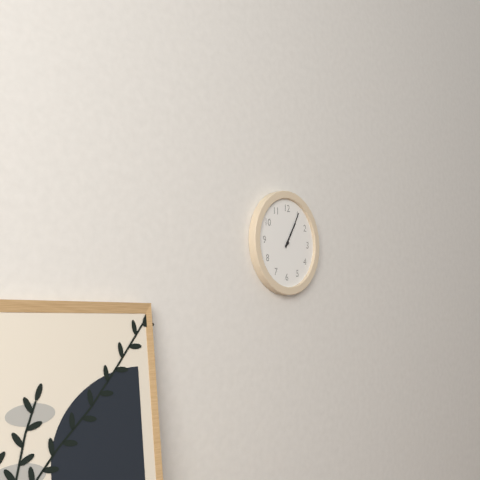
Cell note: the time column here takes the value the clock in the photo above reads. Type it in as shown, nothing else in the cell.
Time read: 1:05
